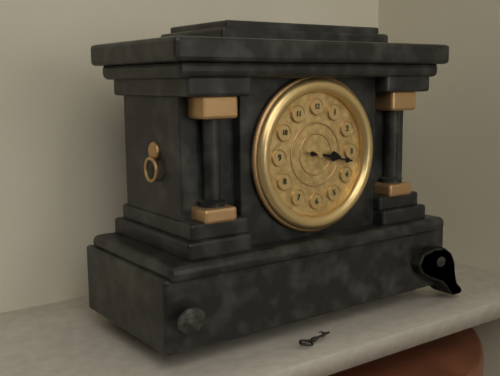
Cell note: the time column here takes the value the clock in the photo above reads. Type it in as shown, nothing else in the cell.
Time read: 3:17
